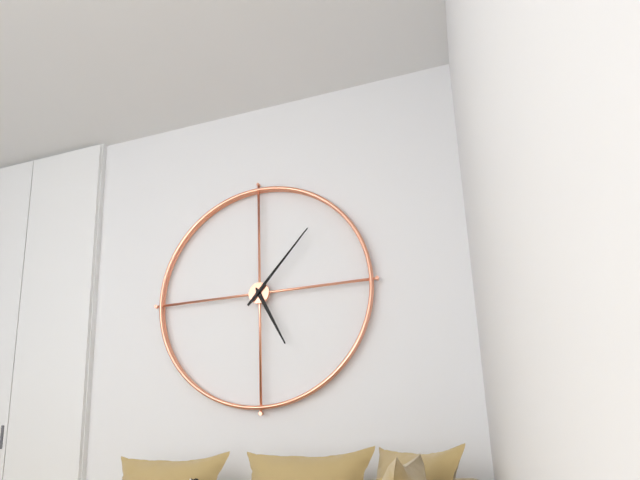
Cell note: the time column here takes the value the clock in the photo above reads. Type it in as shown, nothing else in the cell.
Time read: 5:07
